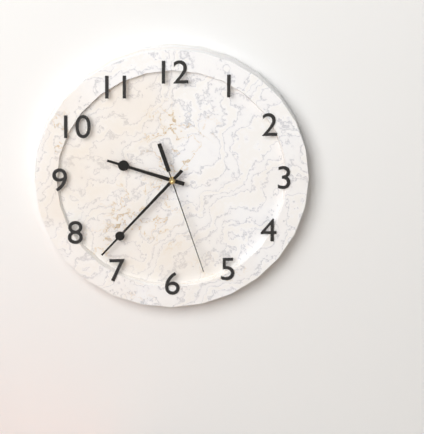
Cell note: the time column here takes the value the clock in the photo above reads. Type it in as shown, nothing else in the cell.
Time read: 9:37:27
